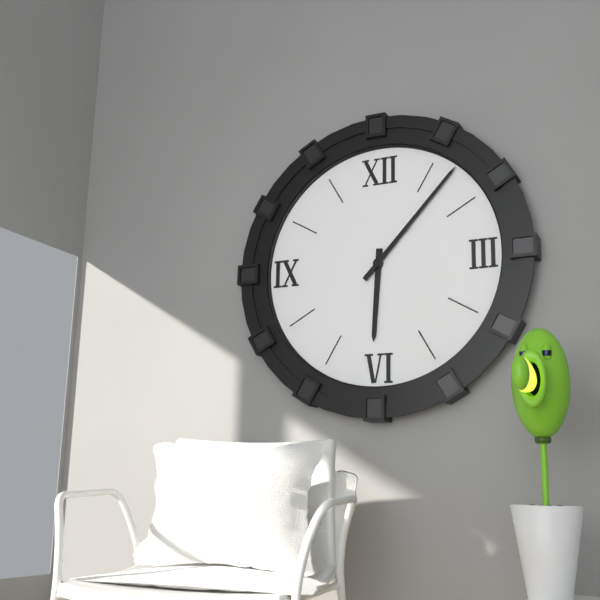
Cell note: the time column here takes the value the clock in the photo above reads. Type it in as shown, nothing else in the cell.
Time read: 6:07
